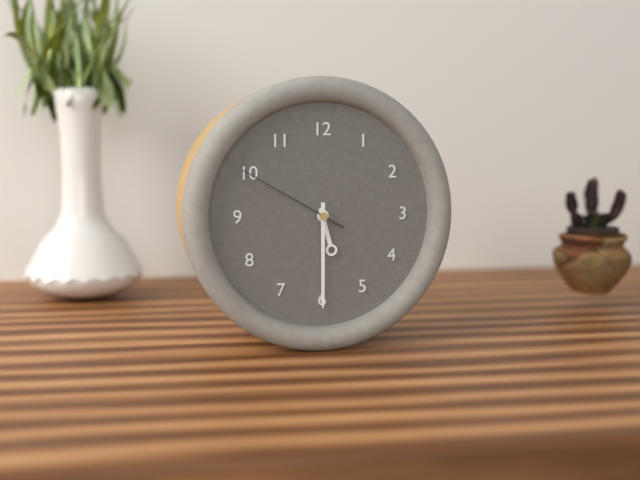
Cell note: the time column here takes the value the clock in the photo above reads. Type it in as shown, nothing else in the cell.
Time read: 5:30:50
